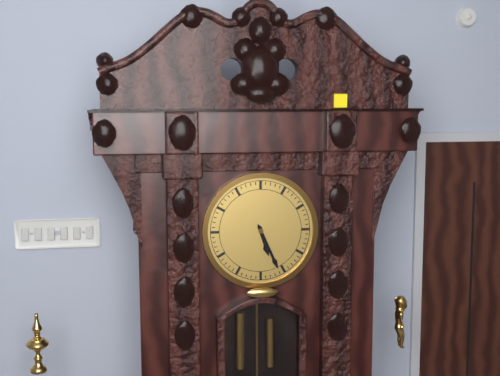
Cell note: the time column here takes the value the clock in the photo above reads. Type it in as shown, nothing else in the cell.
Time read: 5:26
